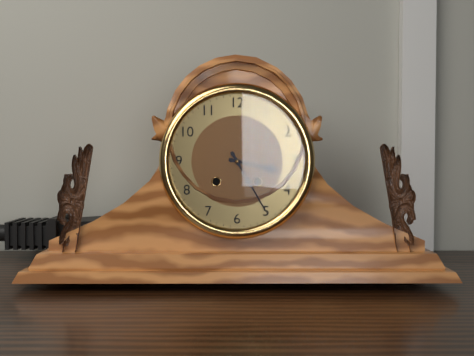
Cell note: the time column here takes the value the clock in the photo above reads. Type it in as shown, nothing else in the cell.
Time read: 3:25
